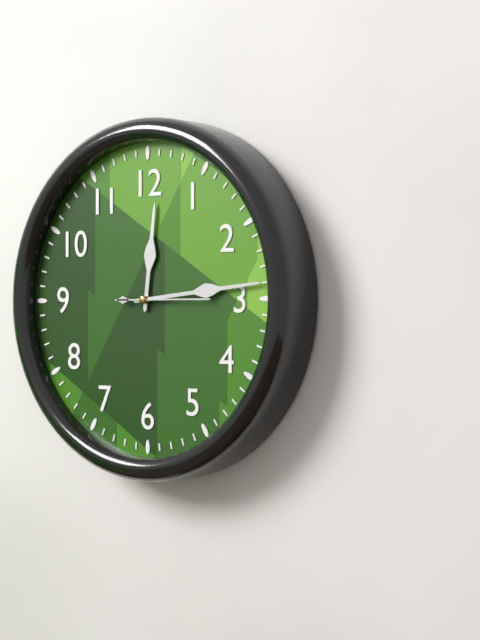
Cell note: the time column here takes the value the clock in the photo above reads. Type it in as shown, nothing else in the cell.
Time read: 12:14
